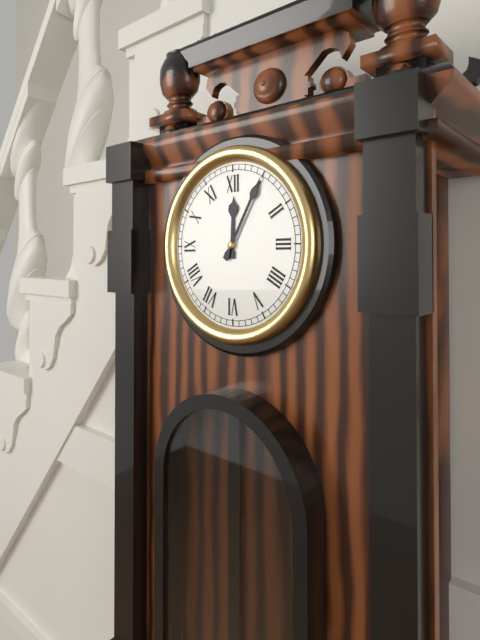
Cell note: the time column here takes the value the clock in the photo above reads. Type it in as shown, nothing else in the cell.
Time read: 12:05
